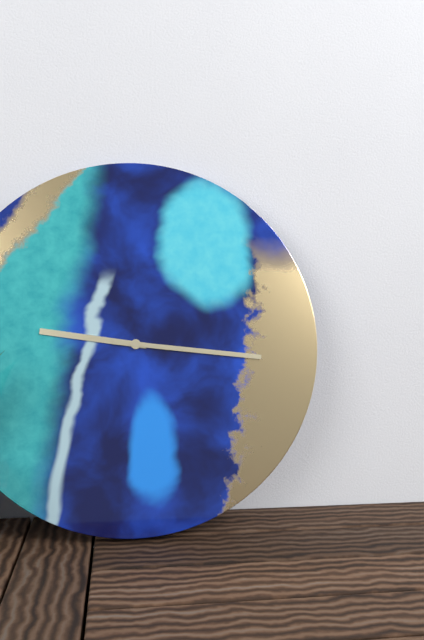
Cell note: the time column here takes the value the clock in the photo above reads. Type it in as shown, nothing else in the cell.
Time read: 9:16
